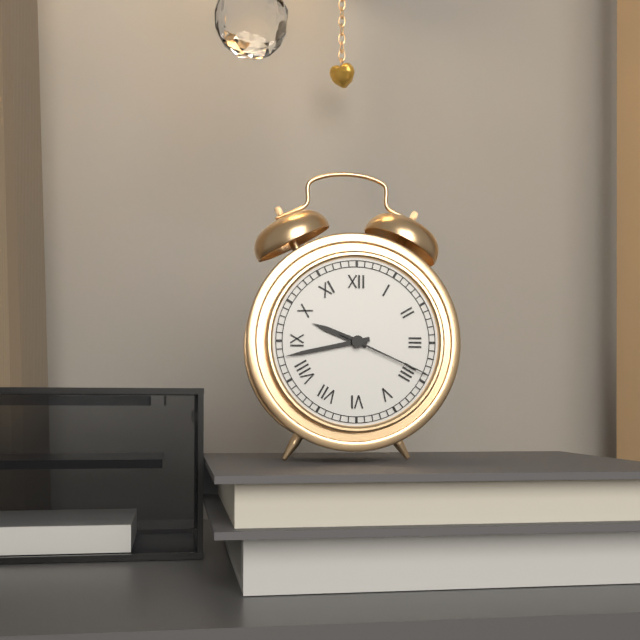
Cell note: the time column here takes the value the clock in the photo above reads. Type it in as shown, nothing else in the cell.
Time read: 9:43:19
